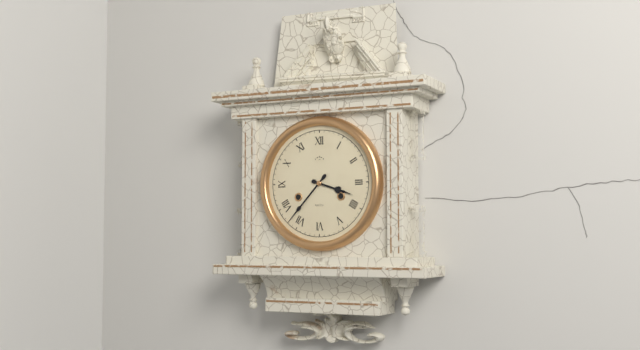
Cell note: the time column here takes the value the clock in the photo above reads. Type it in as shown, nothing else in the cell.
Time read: 3:37
